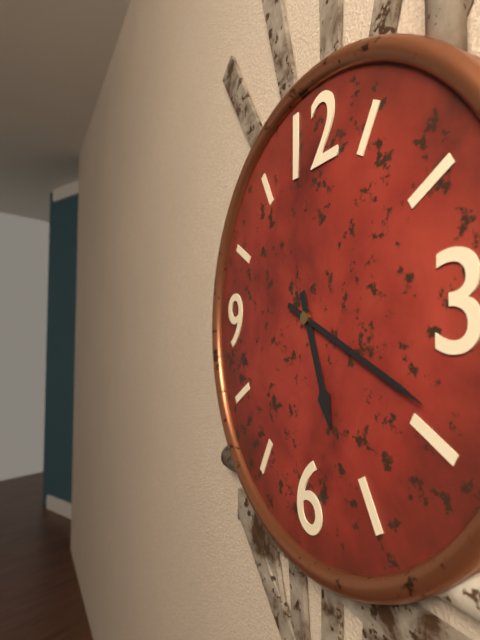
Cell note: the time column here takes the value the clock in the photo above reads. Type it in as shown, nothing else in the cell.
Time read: 5:19
